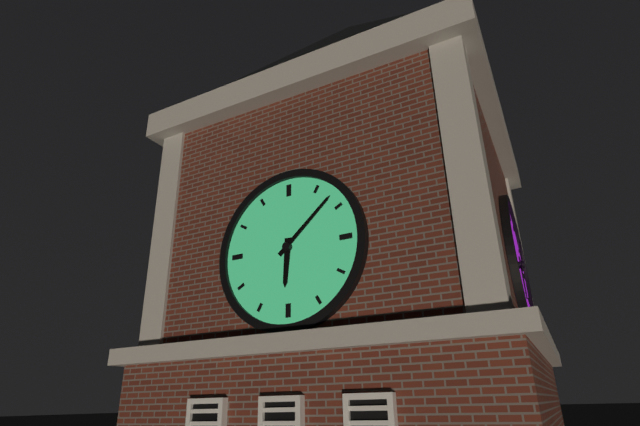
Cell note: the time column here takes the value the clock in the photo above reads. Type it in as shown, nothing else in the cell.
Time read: 6:08
